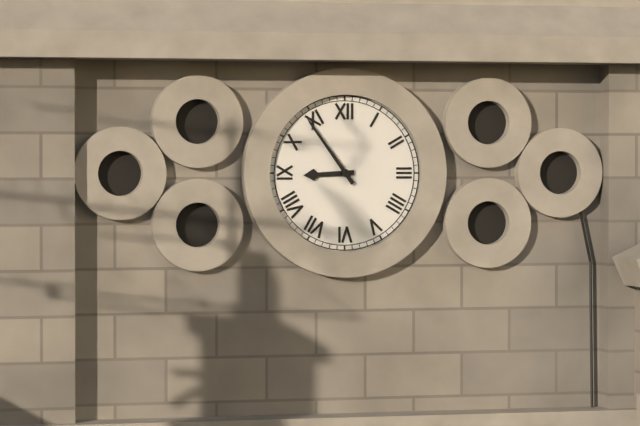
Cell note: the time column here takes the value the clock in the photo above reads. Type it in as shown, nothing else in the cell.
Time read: 8:54
